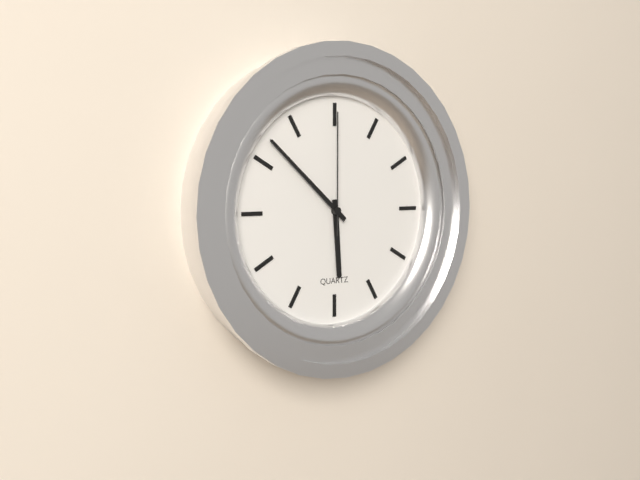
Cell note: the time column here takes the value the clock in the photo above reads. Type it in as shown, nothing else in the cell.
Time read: 5:52:00
